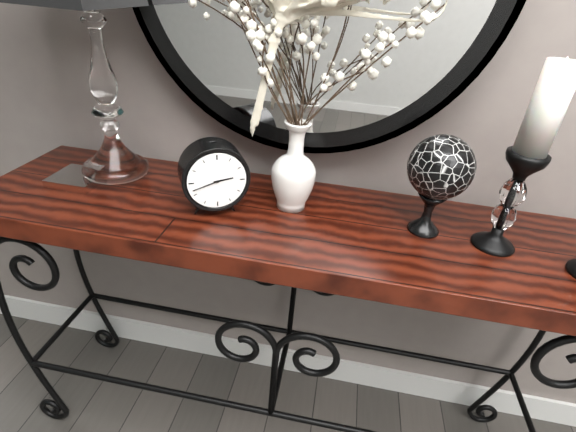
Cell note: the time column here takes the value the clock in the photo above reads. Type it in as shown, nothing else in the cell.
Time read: 2:42
